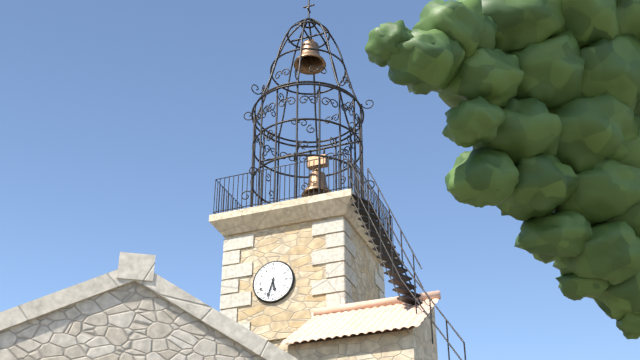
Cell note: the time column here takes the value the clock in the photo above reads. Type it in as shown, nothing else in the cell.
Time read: 5:33
